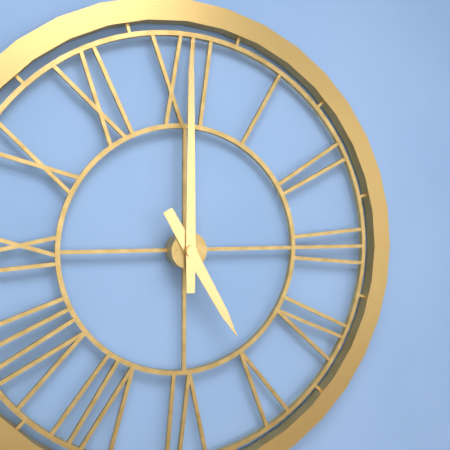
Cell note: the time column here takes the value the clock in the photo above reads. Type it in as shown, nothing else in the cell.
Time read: 5:00
